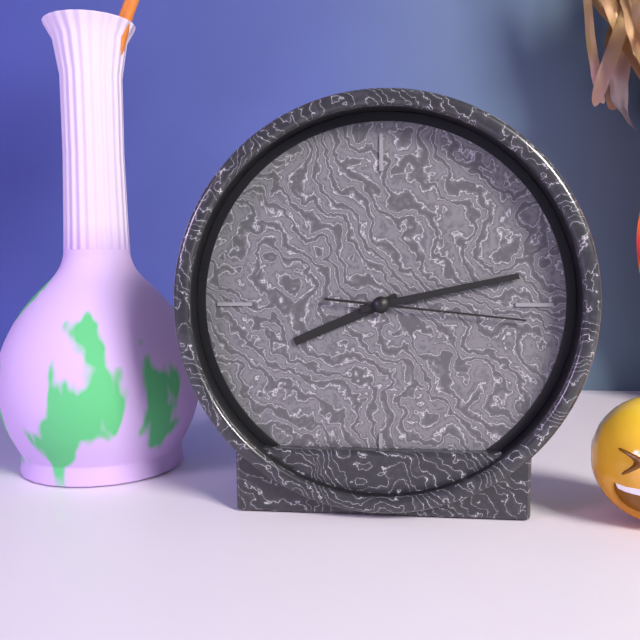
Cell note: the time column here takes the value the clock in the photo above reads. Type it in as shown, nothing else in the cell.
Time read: 8:13:16
